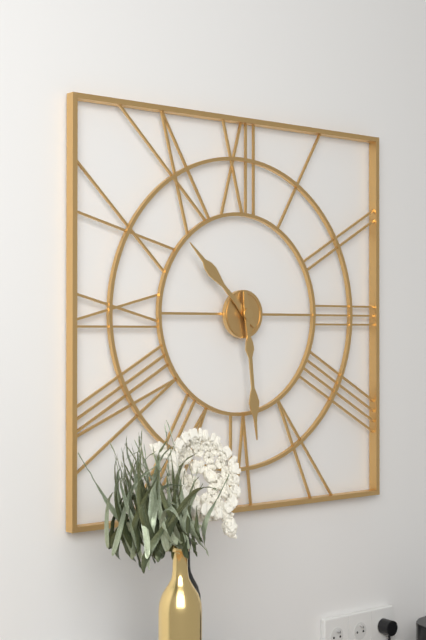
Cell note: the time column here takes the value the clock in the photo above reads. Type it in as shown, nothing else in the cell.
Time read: 10:29
